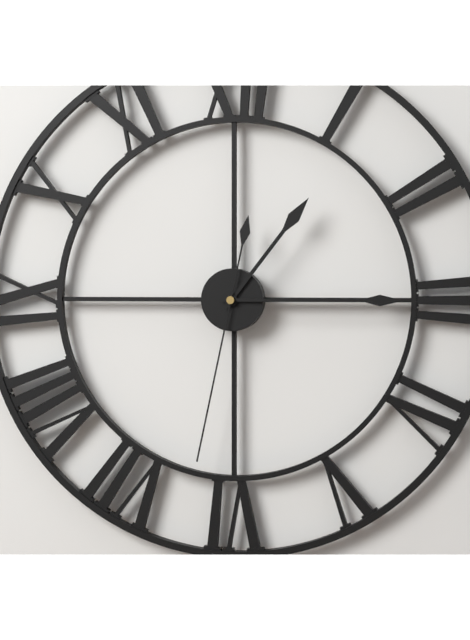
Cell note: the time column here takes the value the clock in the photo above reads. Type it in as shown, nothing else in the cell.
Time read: 1:15:32
